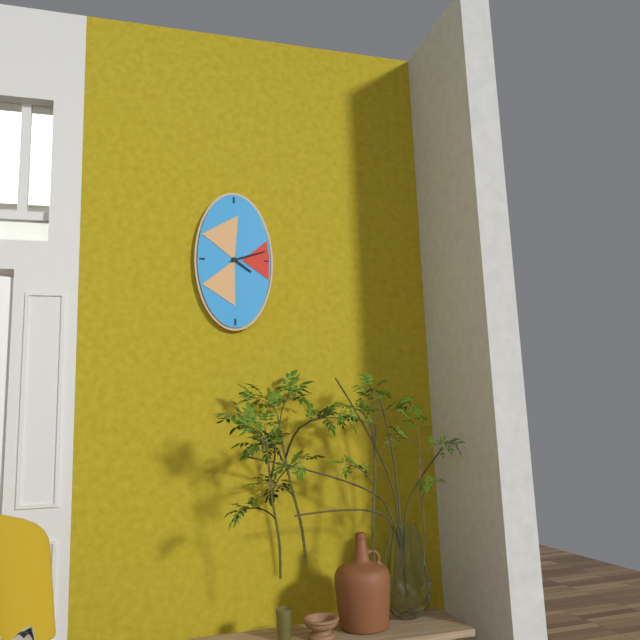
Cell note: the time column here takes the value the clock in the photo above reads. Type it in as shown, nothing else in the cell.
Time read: 4:12
